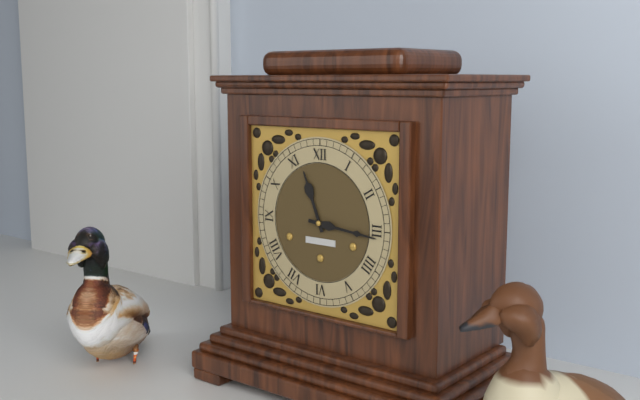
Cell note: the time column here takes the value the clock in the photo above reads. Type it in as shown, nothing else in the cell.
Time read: 11:16
